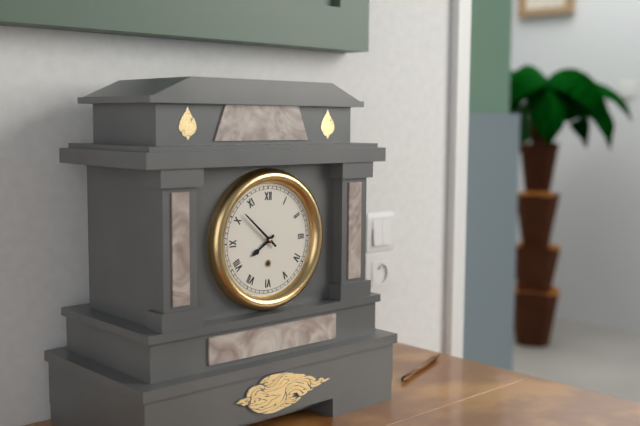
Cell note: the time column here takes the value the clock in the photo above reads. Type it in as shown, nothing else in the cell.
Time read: 7:52
